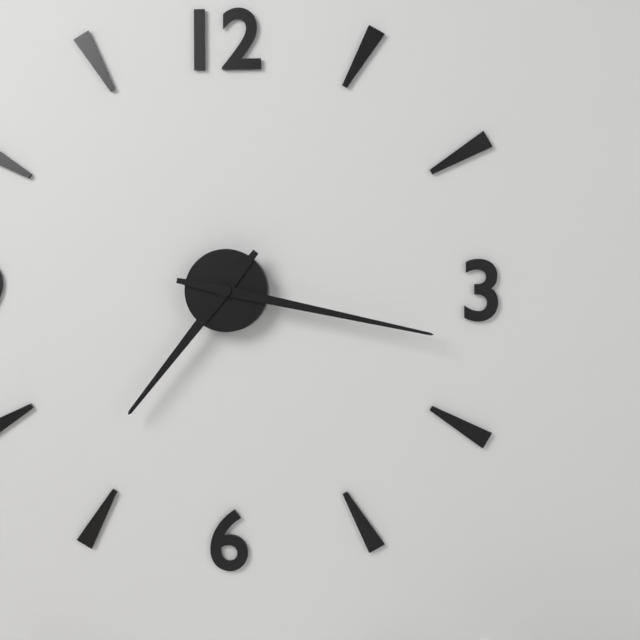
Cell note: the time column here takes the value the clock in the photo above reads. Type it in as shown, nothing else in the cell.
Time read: 7:17
